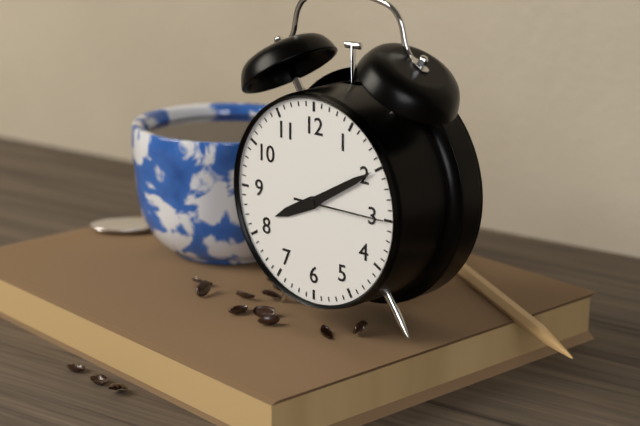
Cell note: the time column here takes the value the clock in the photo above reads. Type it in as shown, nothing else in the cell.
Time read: 8:10:15
